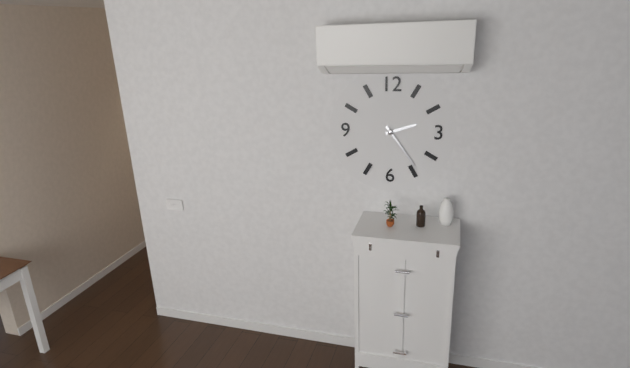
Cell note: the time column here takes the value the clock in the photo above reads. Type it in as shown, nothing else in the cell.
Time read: 2:24
